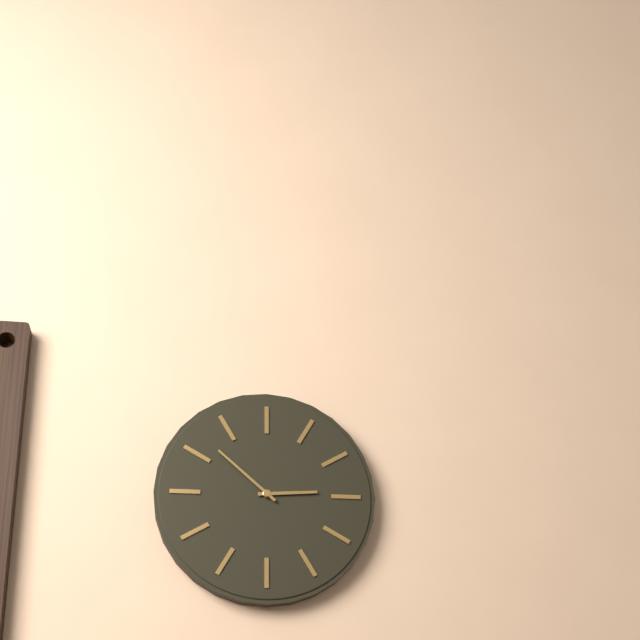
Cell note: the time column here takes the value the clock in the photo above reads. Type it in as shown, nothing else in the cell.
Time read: 2:52
